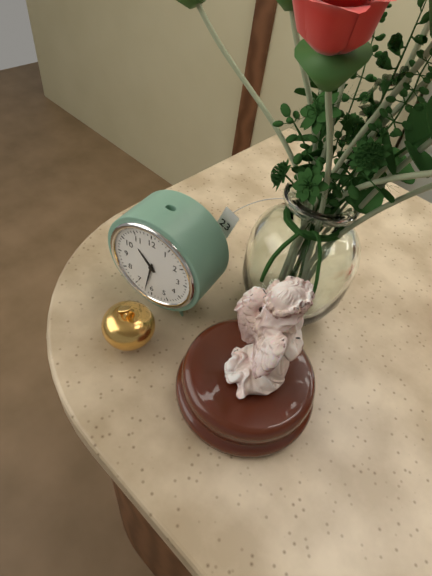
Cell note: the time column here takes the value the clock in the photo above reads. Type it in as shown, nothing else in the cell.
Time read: 10:32
